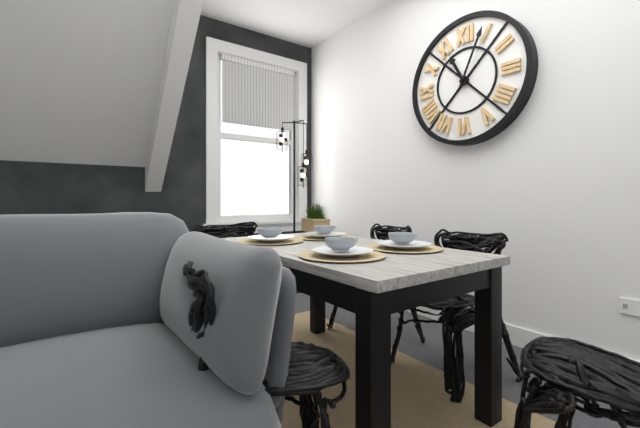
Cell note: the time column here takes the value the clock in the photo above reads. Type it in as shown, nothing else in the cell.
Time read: 11:04
